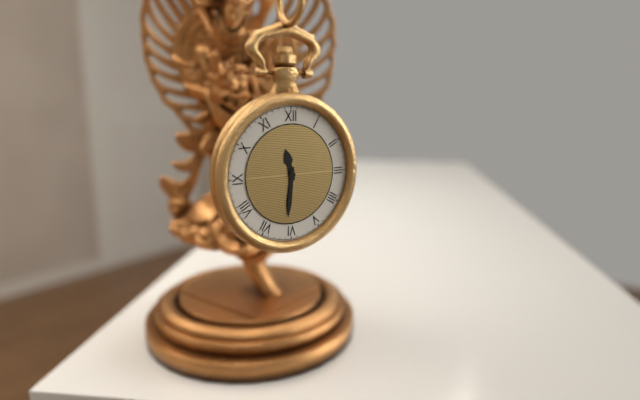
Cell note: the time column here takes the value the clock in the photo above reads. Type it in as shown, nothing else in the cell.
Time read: 11:31
